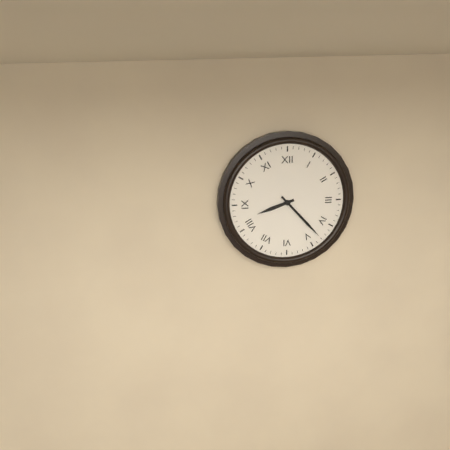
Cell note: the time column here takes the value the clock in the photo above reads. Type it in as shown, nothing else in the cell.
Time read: 8:23
